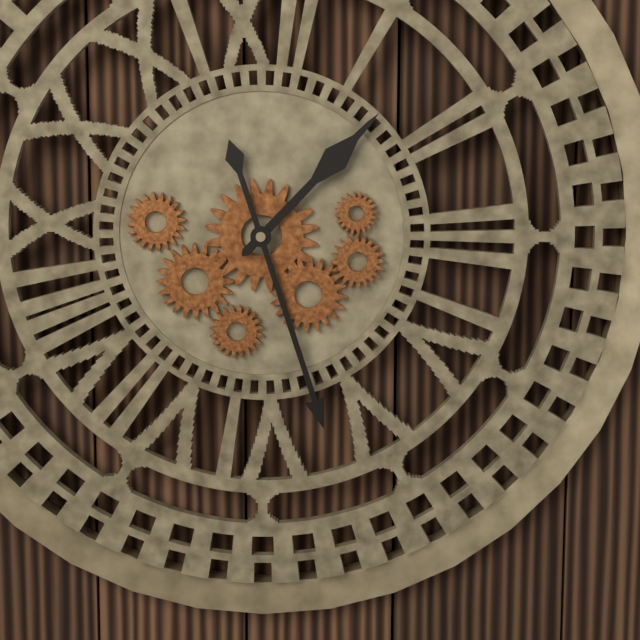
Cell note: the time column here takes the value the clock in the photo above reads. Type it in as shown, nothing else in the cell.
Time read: 1:27
